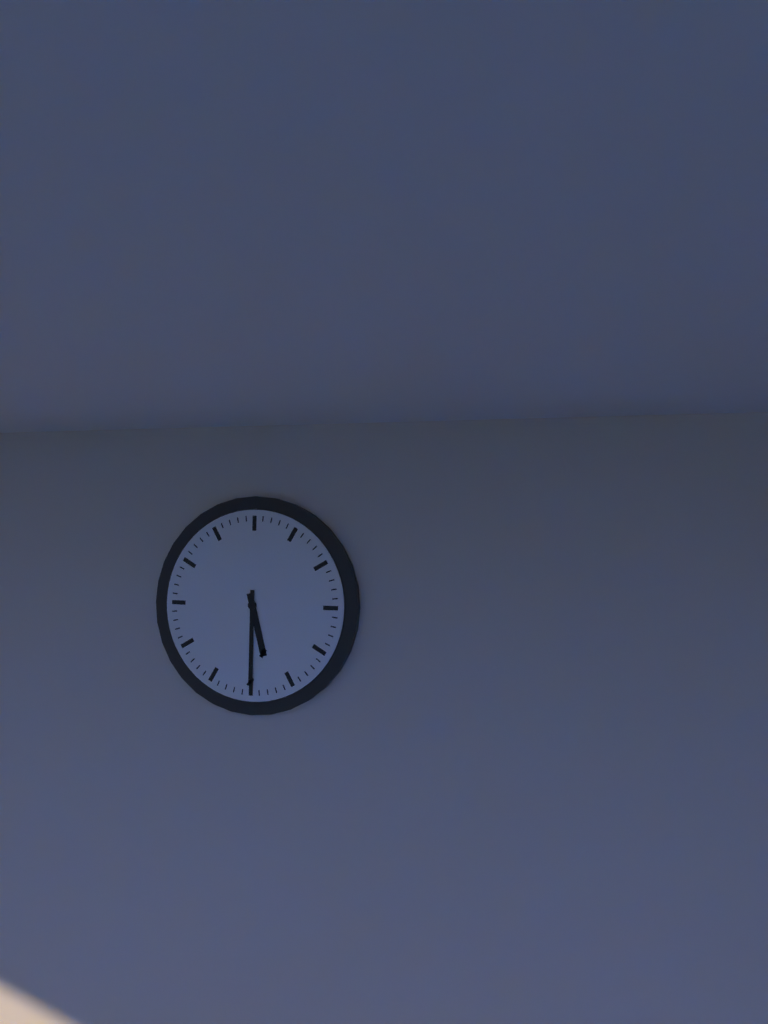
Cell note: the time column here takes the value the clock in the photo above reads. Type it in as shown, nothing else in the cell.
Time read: 5:30
